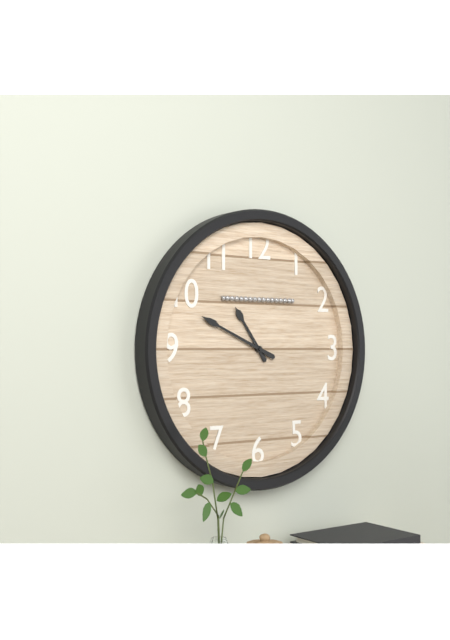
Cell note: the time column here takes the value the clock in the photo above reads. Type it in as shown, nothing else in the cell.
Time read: 10:49
